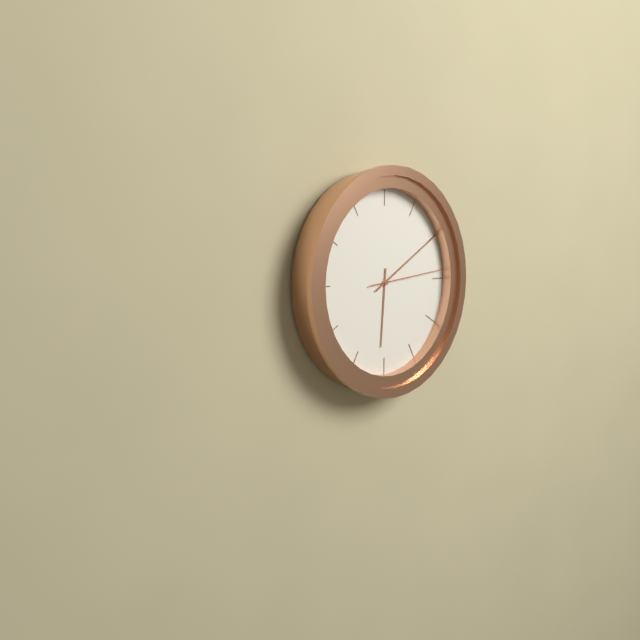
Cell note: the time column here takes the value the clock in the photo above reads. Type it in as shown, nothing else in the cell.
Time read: 6:10:14
